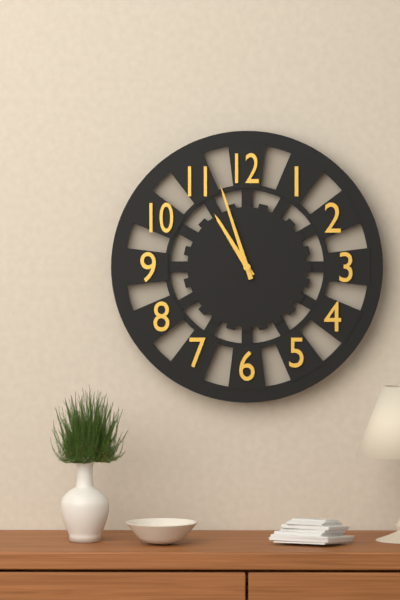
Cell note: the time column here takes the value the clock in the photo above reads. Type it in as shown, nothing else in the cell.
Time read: 10:57
